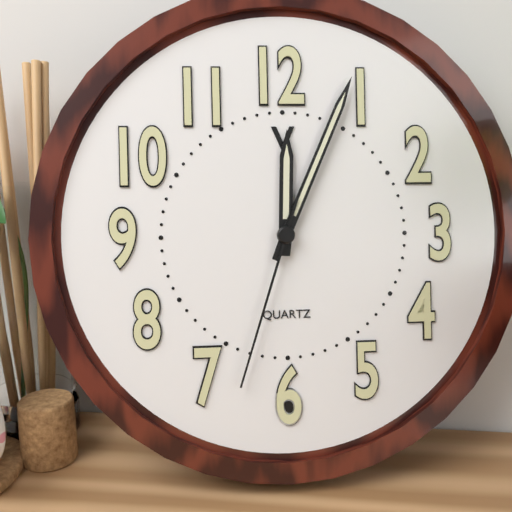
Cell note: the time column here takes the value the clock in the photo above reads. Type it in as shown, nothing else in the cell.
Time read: 12:04:33
